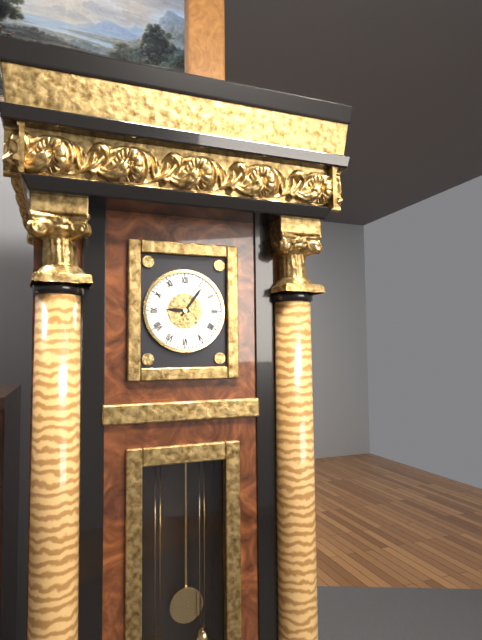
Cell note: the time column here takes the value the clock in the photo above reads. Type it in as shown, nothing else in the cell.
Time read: 9:06
